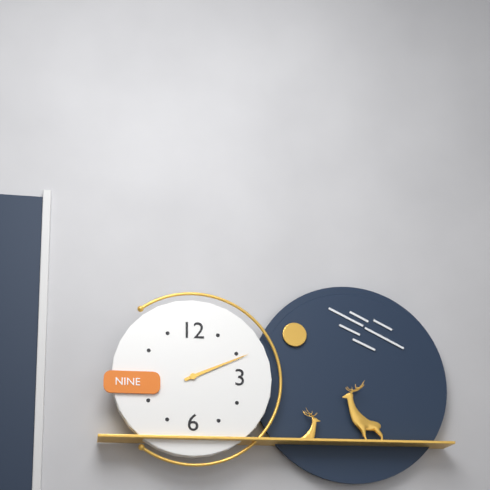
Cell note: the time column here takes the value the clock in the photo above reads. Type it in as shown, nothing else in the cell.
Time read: 2:11
